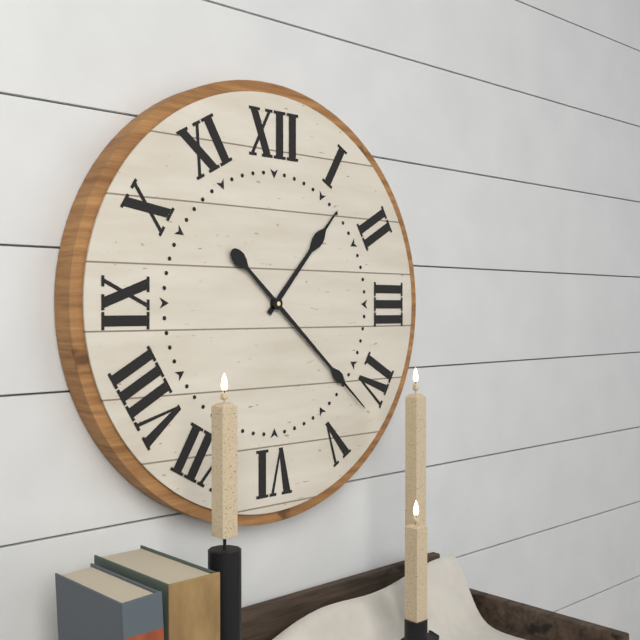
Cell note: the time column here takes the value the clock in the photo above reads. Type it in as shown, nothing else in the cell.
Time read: 1:22
